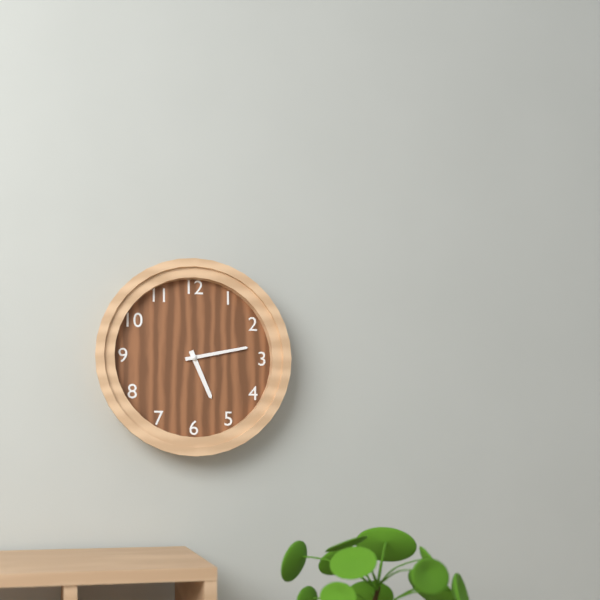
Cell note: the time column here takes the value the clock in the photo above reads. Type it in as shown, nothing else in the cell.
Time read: 5:13
